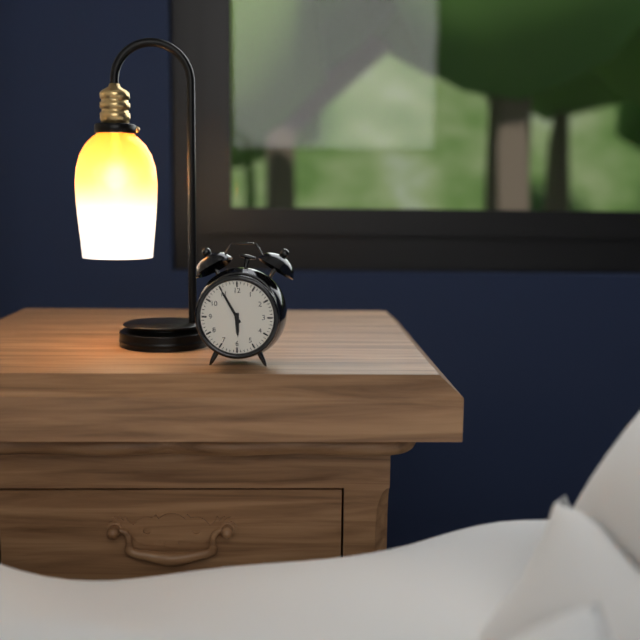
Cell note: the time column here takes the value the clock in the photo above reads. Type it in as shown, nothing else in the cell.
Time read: 5:55
